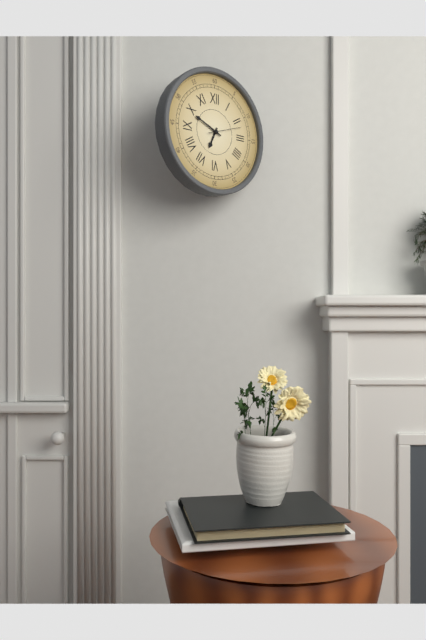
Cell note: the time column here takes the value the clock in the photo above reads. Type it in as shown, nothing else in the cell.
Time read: 6:49
